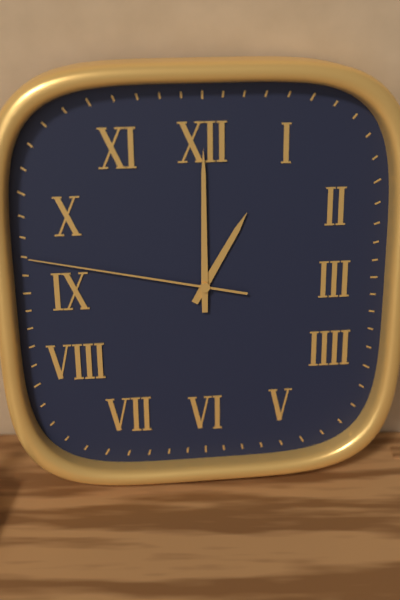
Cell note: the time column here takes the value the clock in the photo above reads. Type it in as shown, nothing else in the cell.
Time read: 1:00:47
